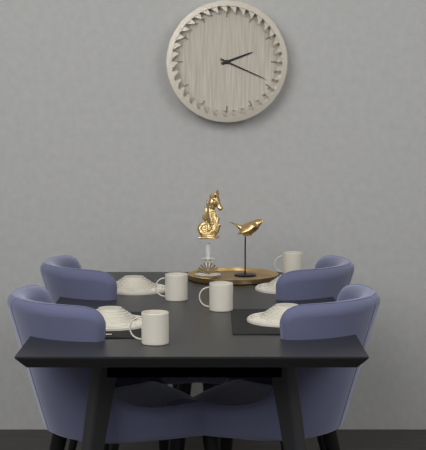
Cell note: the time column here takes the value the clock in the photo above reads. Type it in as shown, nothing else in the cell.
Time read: 2:19
